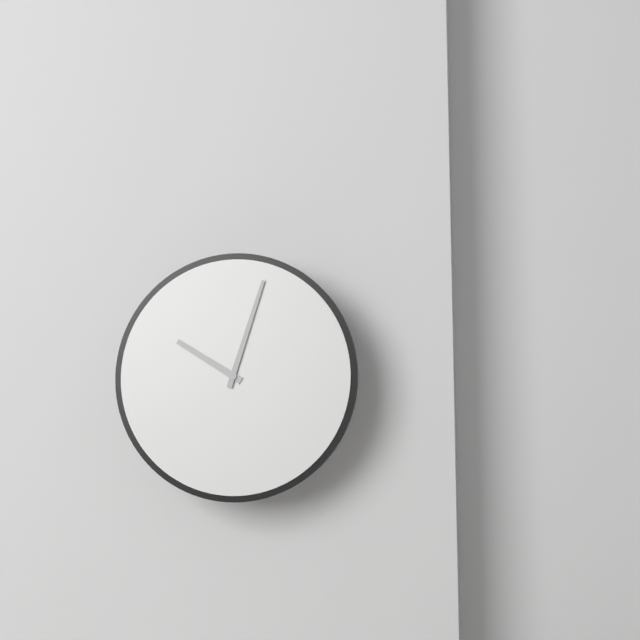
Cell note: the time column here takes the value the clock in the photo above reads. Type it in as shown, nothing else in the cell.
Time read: 10:03
